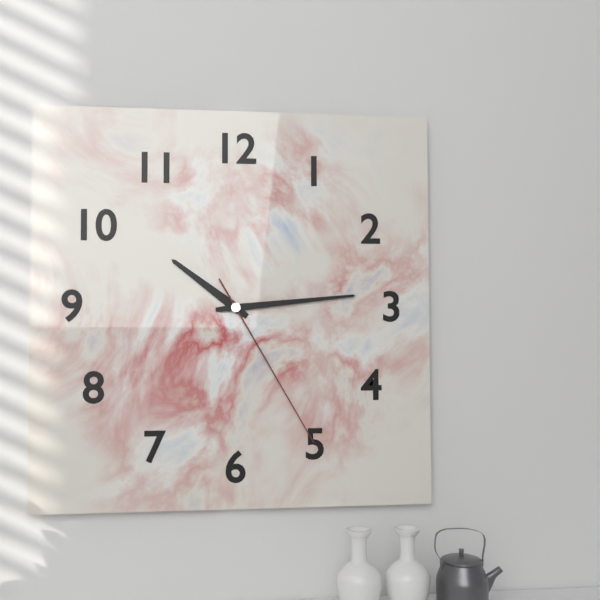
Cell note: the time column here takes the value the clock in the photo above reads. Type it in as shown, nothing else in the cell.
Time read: 10:14:25
